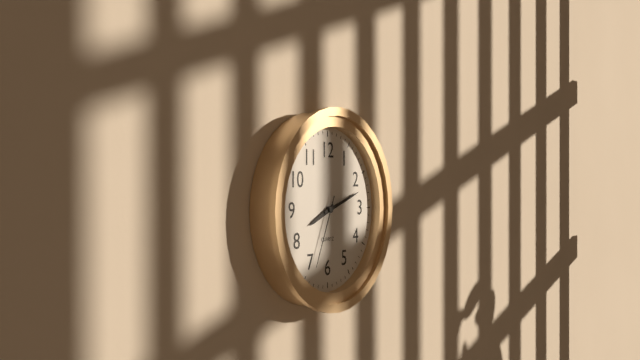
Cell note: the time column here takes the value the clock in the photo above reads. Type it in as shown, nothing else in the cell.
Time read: 8:12:34
